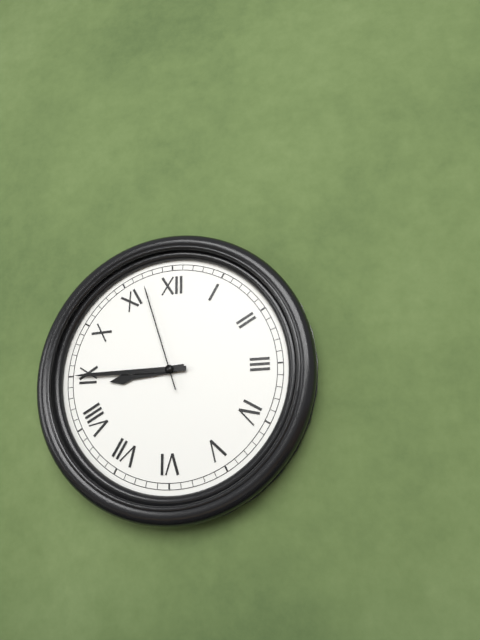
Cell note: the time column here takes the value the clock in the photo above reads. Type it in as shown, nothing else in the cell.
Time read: 8:45:57
